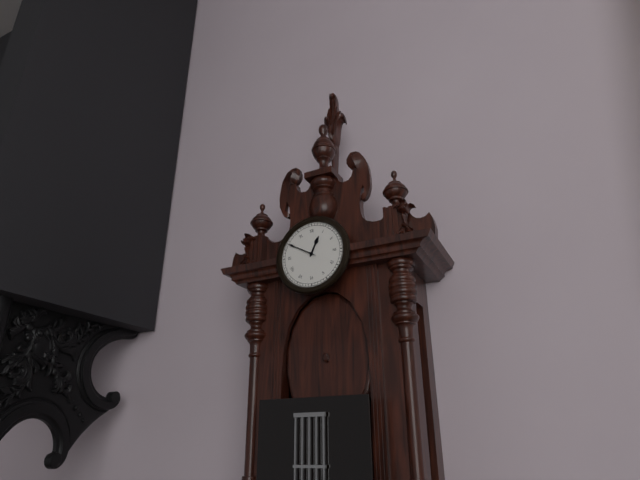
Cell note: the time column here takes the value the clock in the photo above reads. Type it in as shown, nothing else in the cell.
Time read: 12:50
